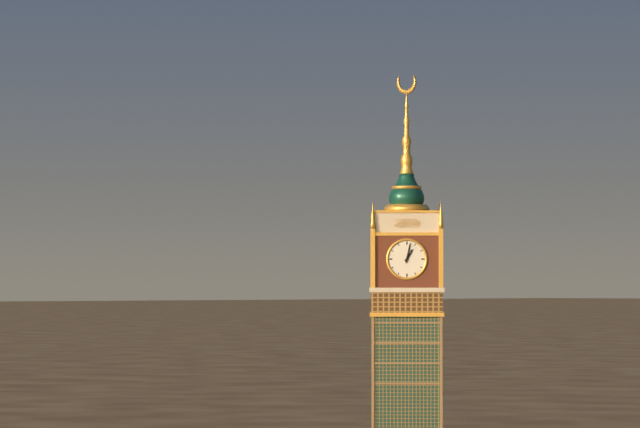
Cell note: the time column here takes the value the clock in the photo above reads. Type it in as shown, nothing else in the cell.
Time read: 1:02
